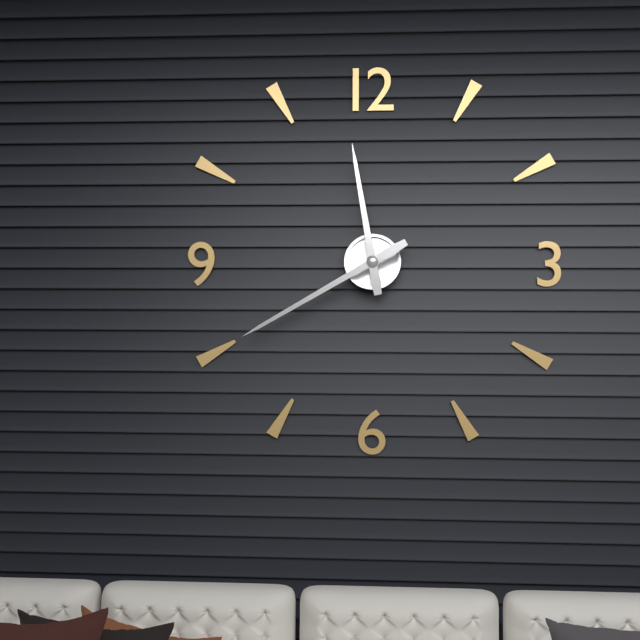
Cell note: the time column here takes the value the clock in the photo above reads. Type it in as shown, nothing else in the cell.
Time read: 11:40
